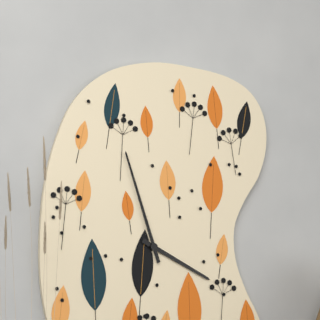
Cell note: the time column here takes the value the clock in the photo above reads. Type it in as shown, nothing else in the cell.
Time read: 3:57
